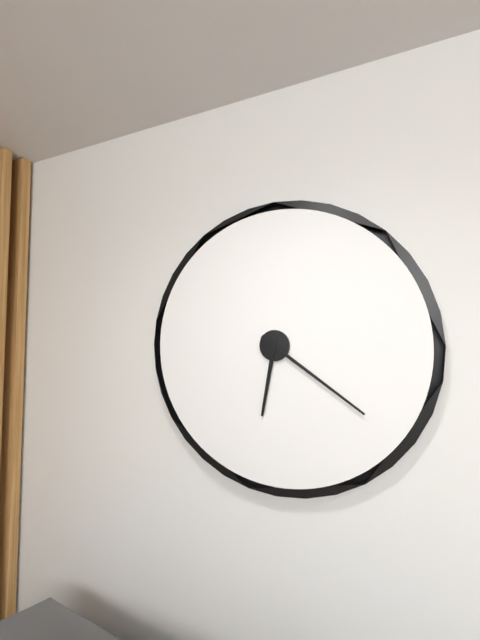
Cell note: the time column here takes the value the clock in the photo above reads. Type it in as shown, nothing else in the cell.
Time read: 6:21
